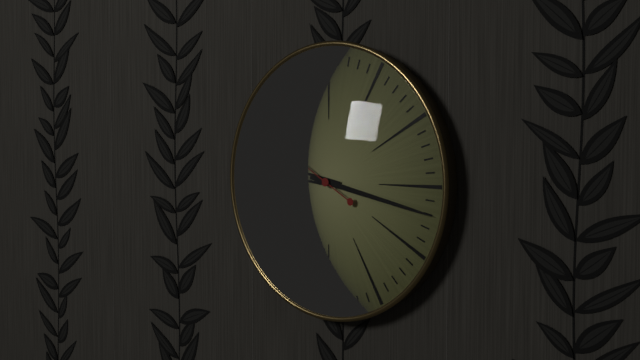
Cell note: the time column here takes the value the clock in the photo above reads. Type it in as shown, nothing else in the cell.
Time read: 9:17:50
